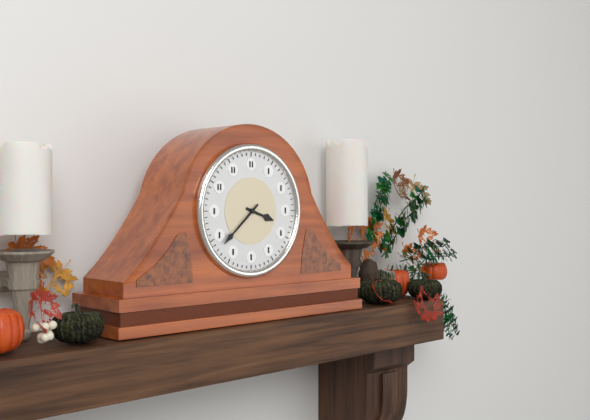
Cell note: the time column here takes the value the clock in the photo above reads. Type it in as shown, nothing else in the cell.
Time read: 3:38
